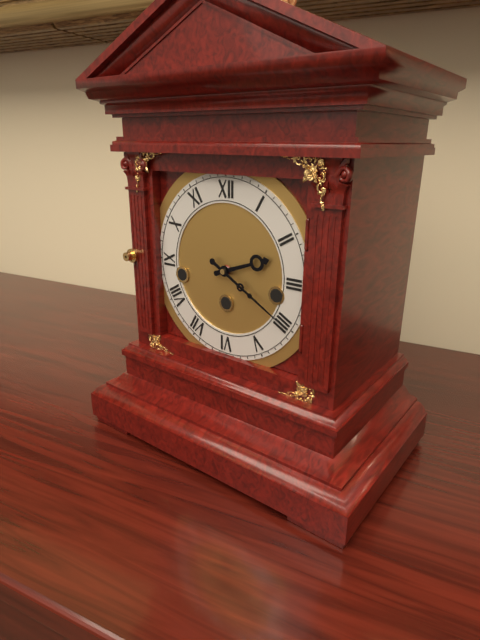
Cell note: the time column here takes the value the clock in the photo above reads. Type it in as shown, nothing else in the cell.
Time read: 2:20
